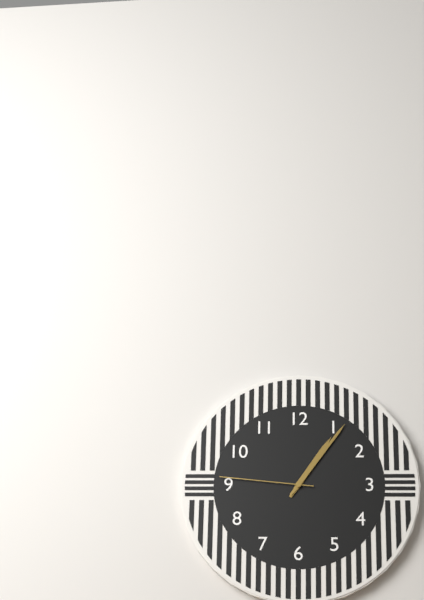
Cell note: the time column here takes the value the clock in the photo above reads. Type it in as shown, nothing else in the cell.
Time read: 1:06:46
